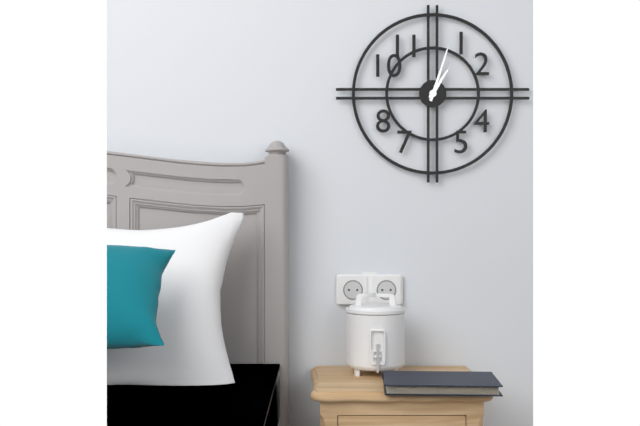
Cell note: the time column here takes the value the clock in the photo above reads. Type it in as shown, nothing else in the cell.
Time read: 1:03
